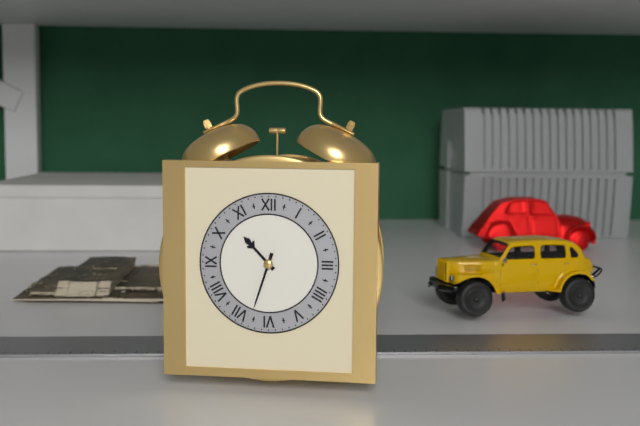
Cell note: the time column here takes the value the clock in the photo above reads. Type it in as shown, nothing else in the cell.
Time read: 10:33
